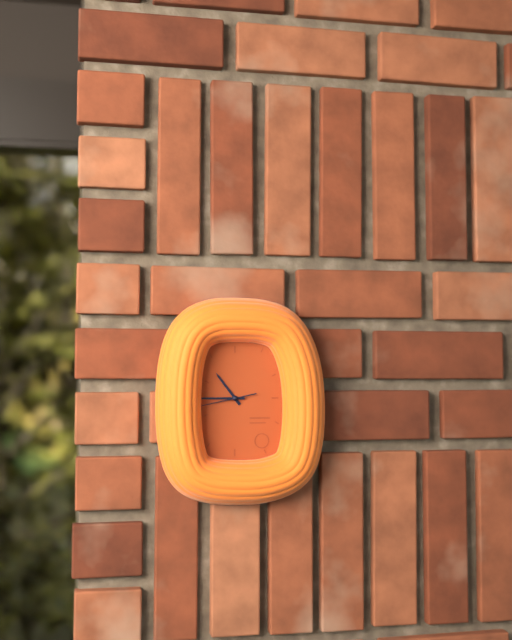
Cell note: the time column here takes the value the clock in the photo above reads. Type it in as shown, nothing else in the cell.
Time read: 10:45
